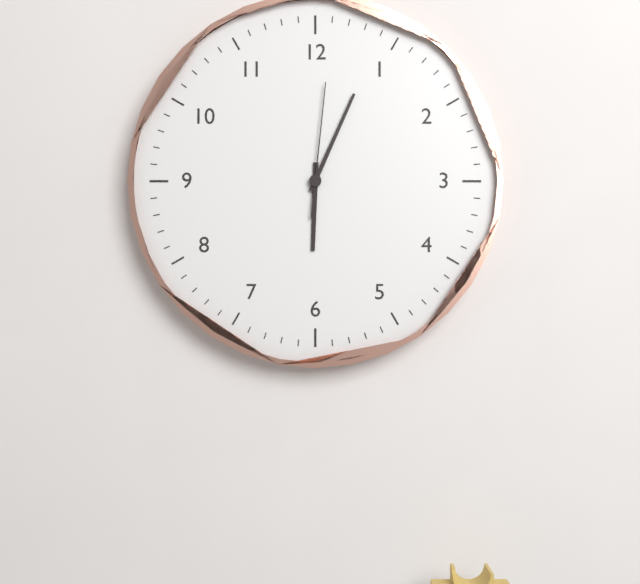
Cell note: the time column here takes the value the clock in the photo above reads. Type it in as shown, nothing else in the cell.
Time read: 6:04:01
